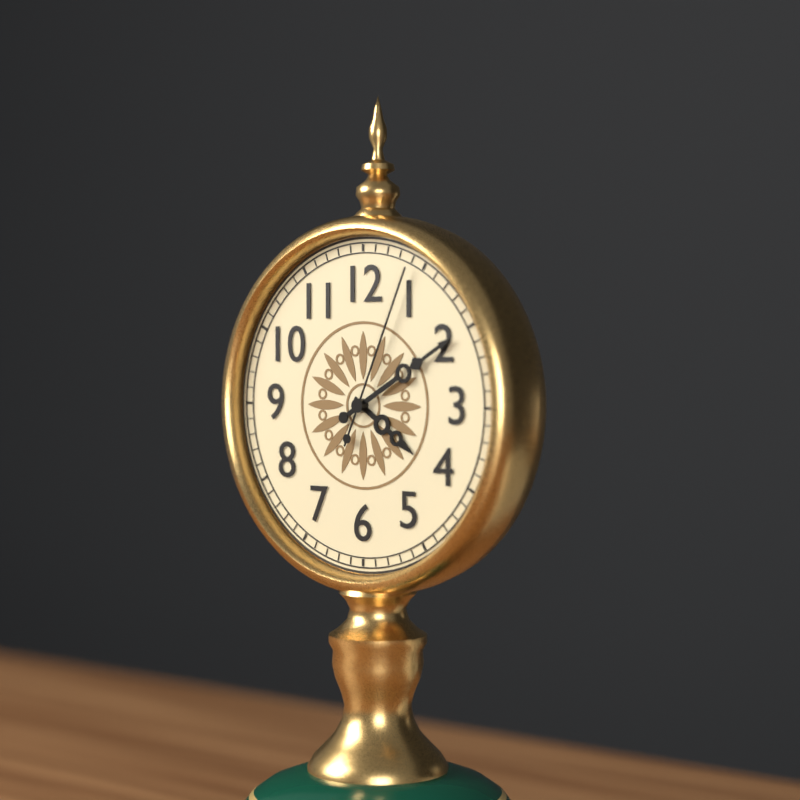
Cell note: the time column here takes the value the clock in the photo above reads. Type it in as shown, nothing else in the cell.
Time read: 4:10:04
